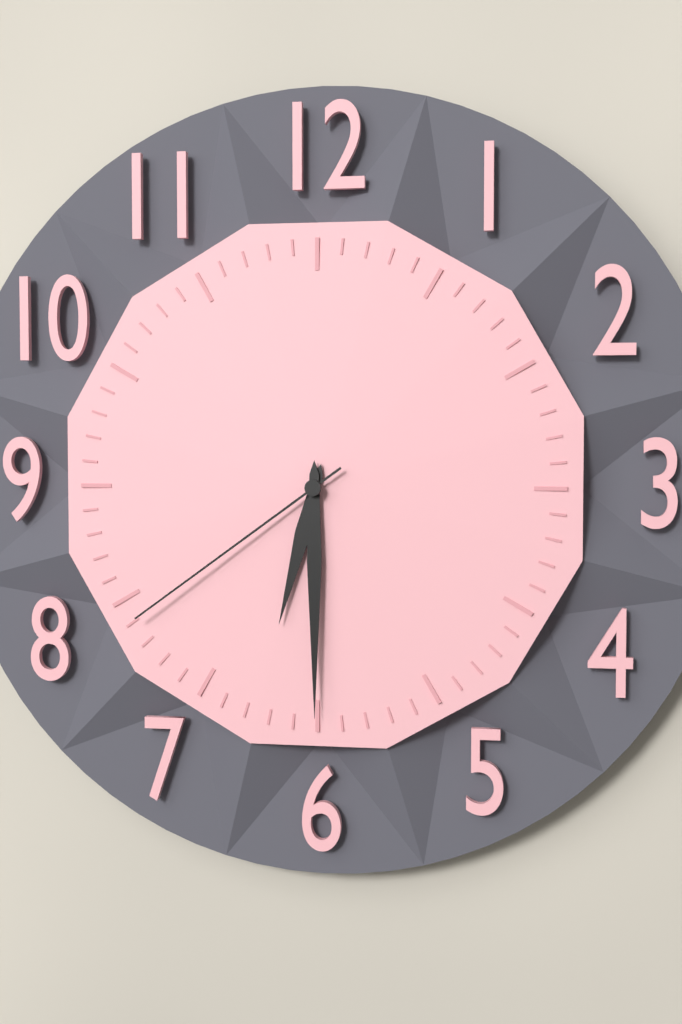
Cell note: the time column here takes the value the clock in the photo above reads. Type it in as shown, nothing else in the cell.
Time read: 6:30:39
